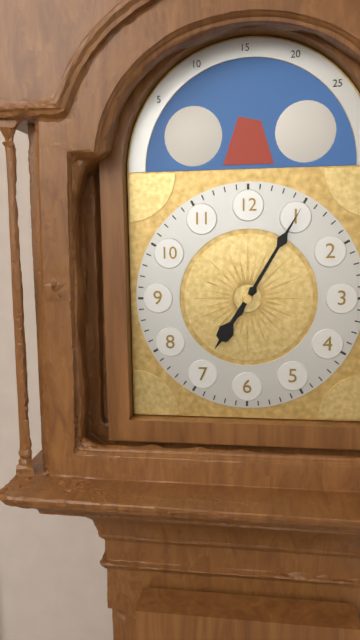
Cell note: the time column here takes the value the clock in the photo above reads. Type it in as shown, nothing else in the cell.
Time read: 7:05
